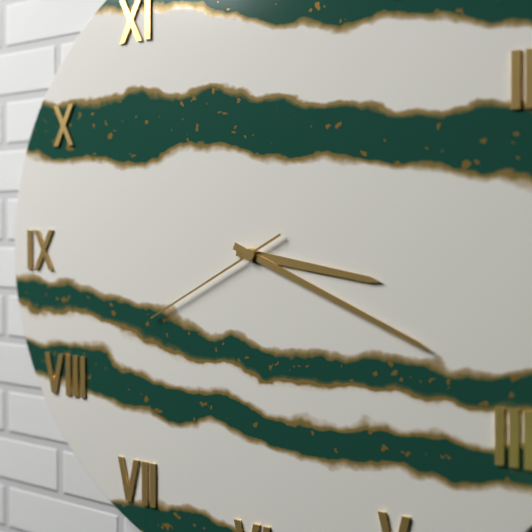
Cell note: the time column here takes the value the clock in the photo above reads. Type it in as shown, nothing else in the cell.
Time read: 3:19:40
